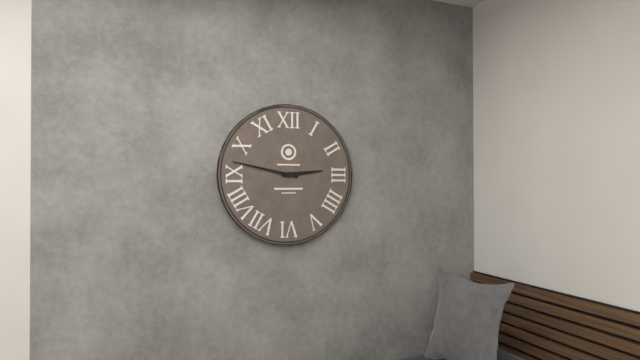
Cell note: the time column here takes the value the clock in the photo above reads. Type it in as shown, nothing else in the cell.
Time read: 2:47
